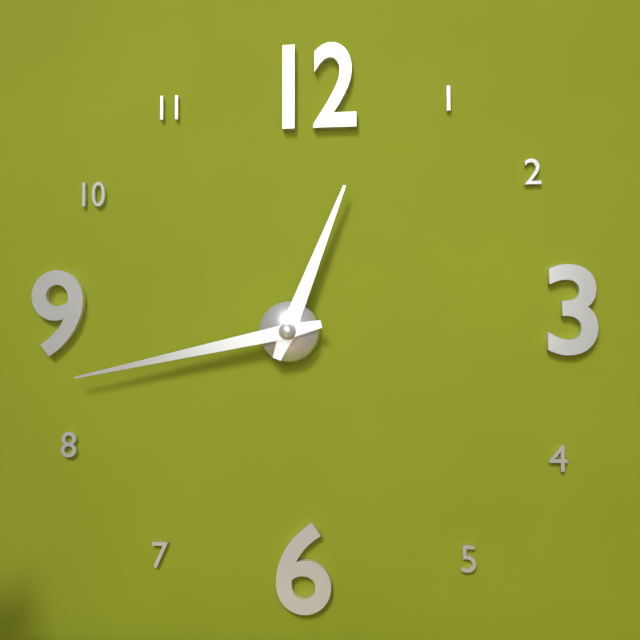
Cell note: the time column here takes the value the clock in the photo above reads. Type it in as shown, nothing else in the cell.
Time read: 12:43
